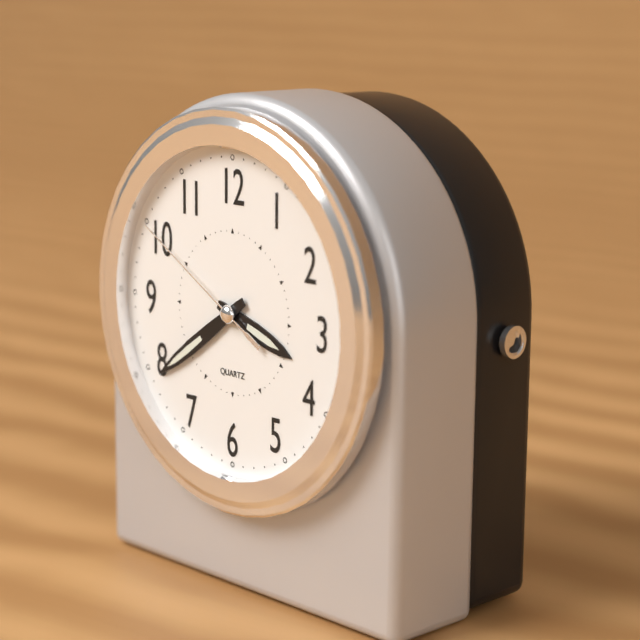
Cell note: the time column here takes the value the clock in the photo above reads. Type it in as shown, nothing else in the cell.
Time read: 3:39:50
